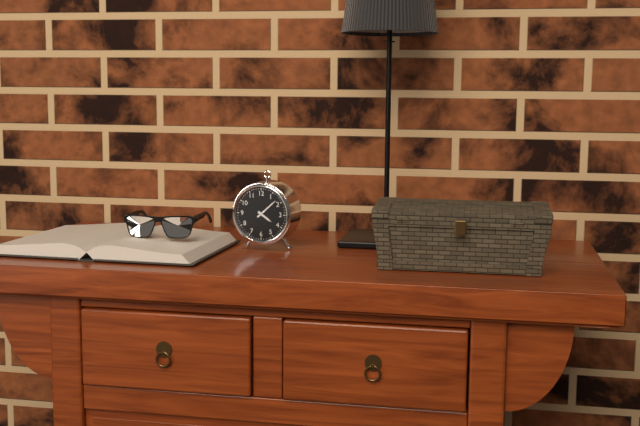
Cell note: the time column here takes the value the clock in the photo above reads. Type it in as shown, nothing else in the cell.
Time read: 4:08
